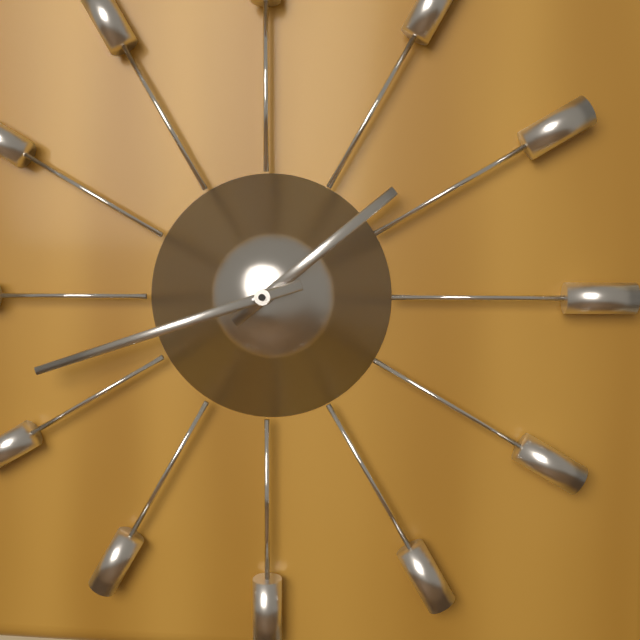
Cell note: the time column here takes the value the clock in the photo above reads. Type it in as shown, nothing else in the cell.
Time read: 1:42
